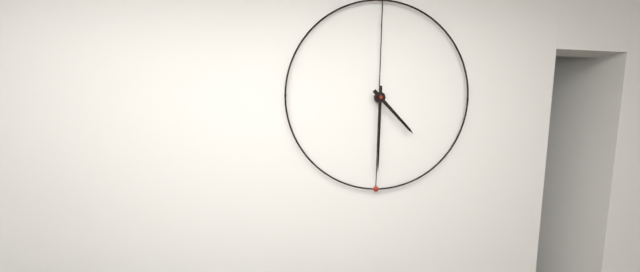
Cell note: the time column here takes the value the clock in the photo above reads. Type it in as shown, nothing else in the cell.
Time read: 4:30
